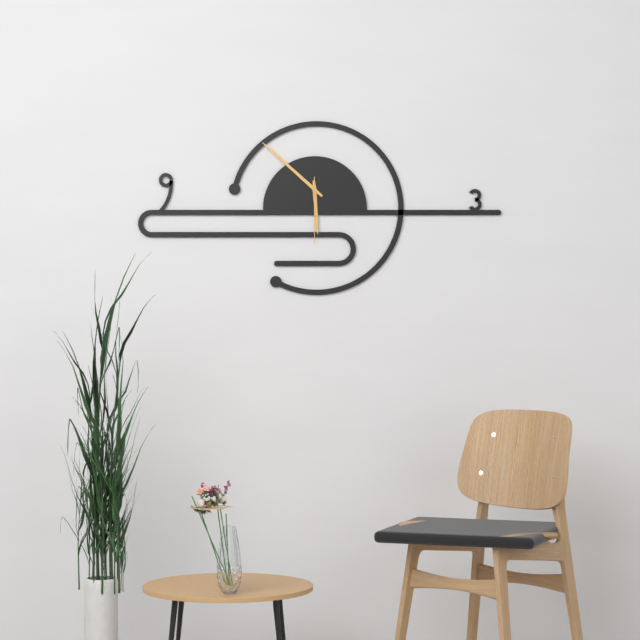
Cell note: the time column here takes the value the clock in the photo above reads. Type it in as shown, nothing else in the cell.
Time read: 5:52:30
